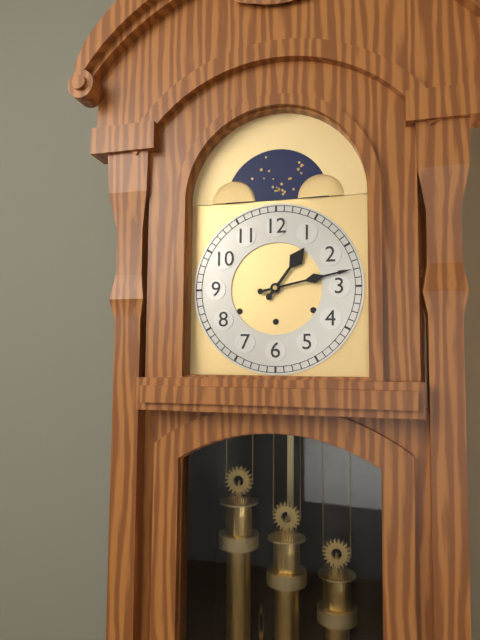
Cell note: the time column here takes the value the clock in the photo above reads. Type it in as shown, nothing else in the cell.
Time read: 1:13
